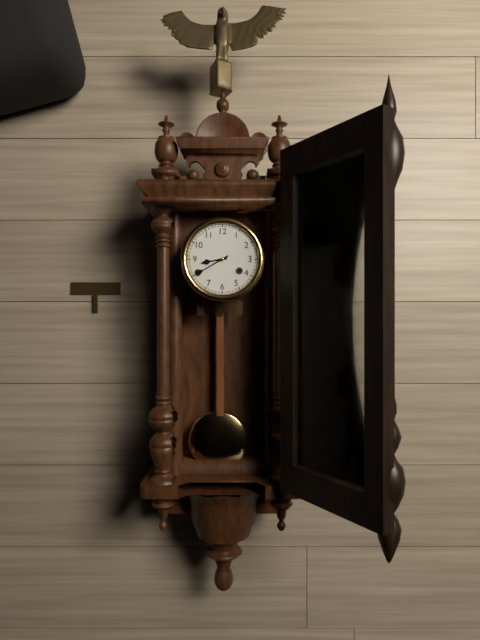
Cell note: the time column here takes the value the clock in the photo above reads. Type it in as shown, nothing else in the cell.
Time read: 8:40
